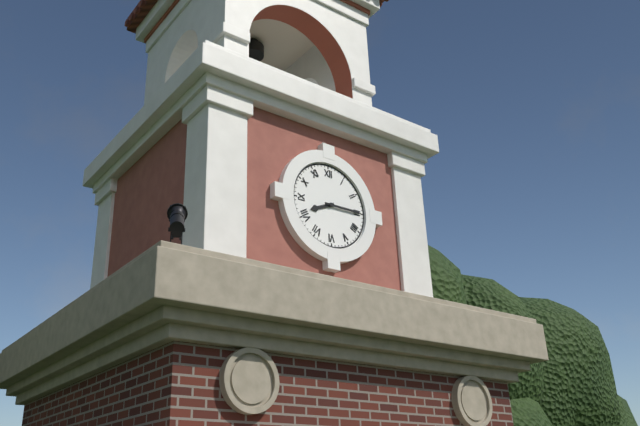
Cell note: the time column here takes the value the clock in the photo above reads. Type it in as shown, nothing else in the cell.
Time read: 8:15
